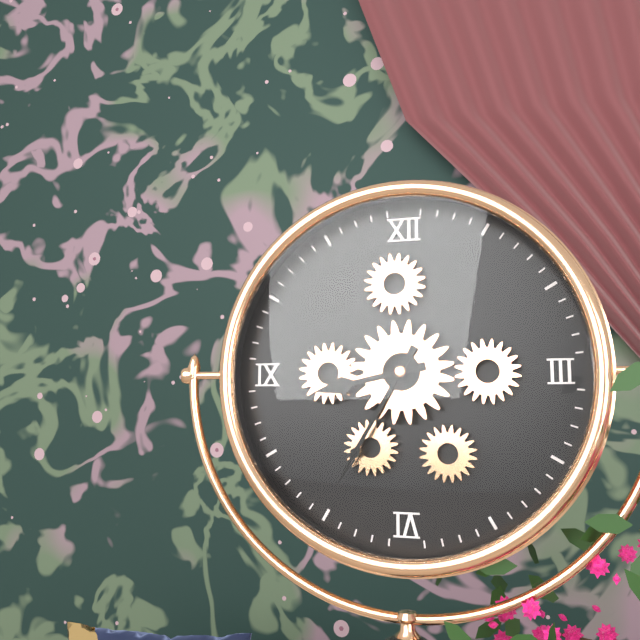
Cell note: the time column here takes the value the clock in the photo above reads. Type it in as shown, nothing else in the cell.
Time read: 8:35
